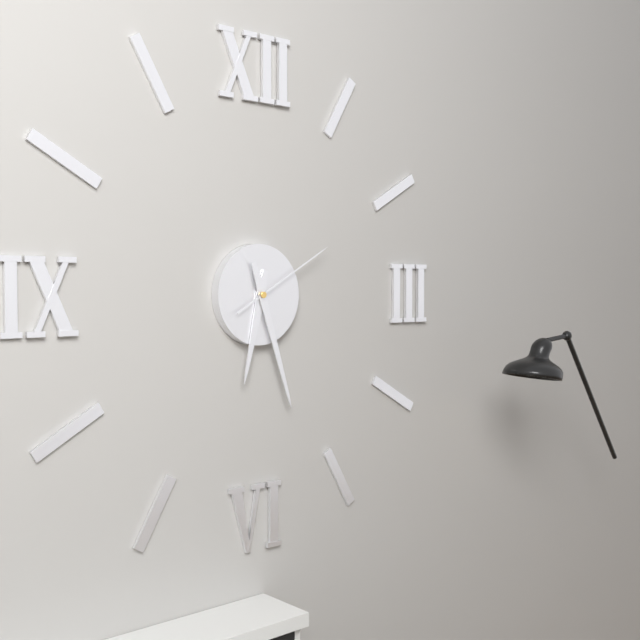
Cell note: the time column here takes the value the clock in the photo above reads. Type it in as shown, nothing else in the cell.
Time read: 6:27:10
